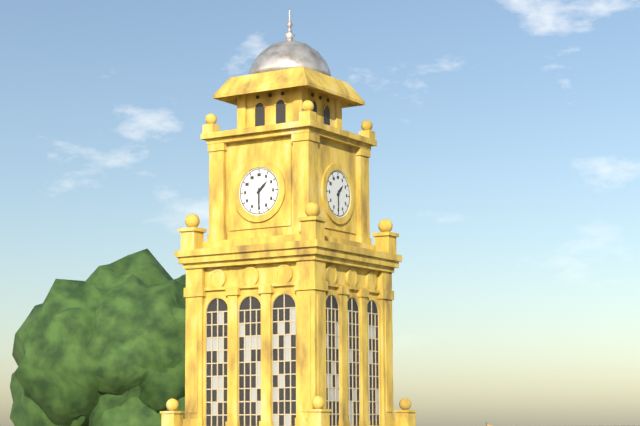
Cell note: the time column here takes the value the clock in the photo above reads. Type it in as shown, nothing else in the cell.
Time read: 1:30
